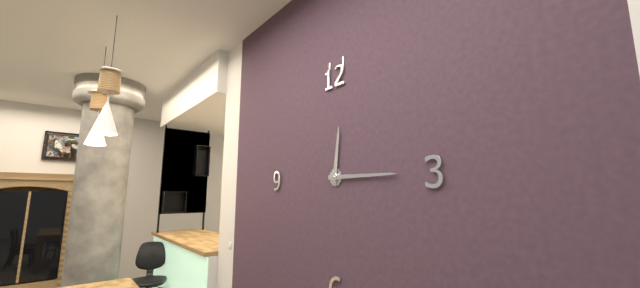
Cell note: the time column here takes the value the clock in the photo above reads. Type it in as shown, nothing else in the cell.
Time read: 12:15
